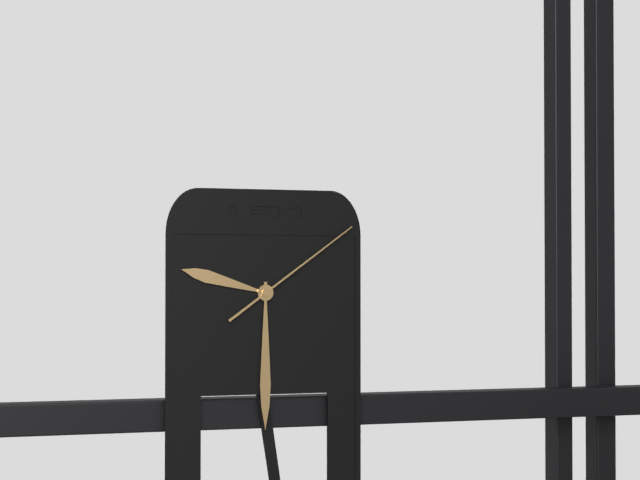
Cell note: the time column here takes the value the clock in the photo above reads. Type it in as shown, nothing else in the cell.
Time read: 9:30:09
